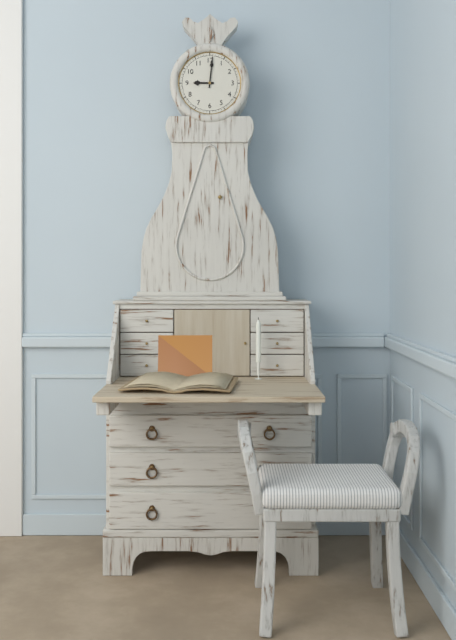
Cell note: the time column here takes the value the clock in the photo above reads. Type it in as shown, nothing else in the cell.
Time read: 9:01
